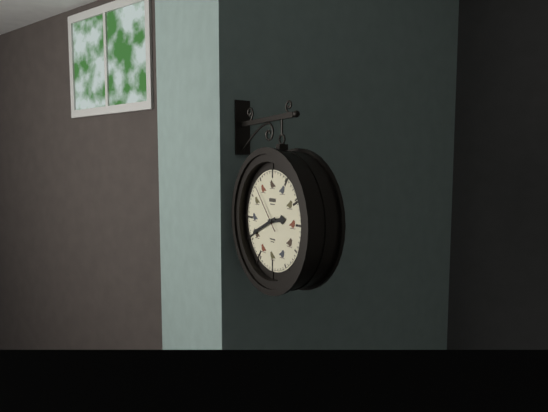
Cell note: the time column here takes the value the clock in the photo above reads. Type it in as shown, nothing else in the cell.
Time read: 2:41
